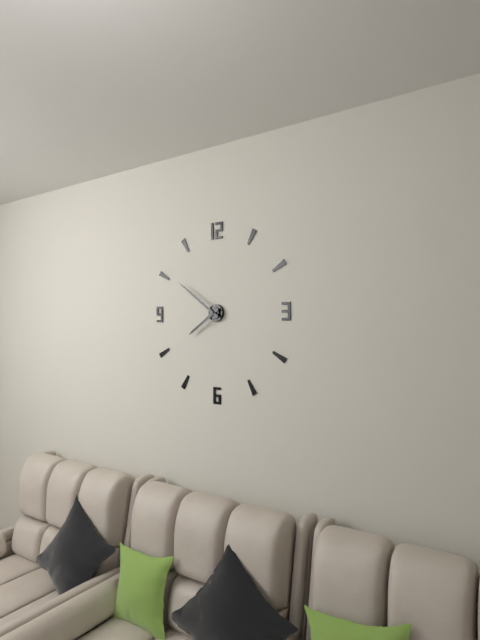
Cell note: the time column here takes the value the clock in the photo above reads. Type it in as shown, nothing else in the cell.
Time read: 7:51
